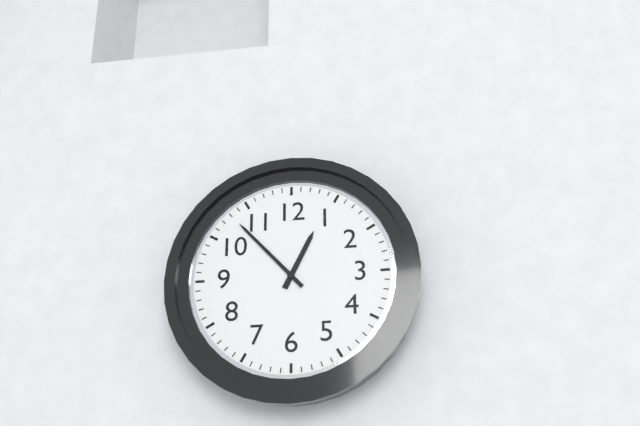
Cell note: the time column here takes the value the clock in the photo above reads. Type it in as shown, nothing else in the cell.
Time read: 12:53
